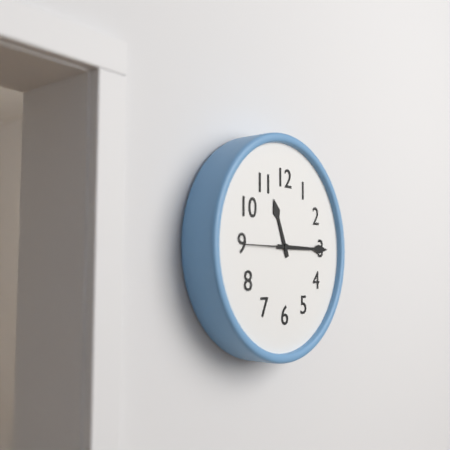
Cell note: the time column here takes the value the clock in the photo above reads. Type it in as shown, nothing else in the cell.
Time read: 11:15
